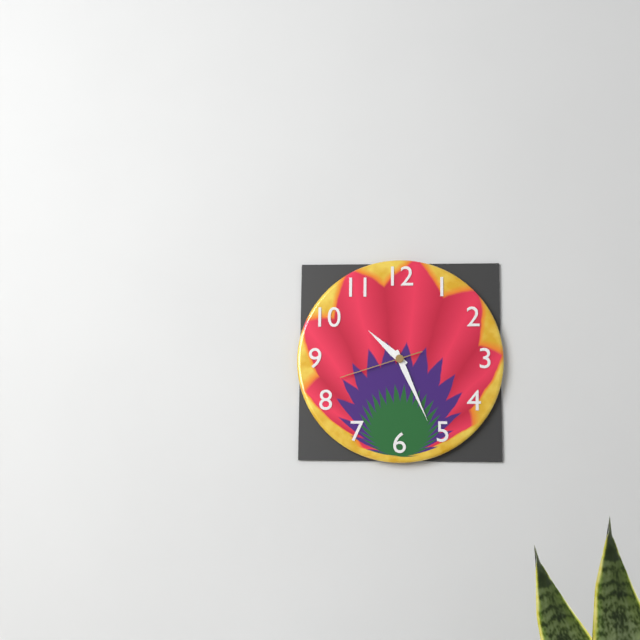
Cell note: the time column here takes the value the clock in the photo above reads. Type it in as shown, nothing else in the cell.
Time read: 10:26:42
